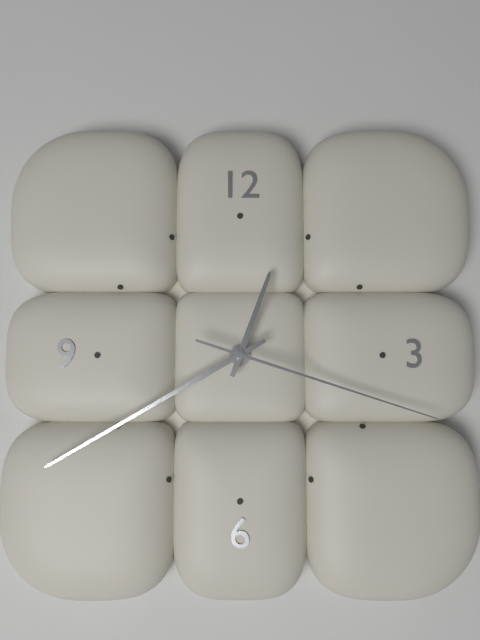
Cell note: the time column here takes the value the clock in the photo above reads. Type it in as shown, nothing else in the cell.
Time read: 12:40:18
